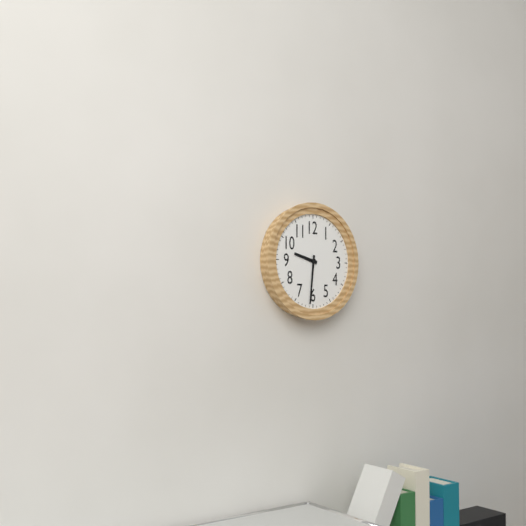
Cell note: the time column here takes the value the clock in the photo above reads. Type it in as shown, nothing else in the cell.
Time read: 9:31
